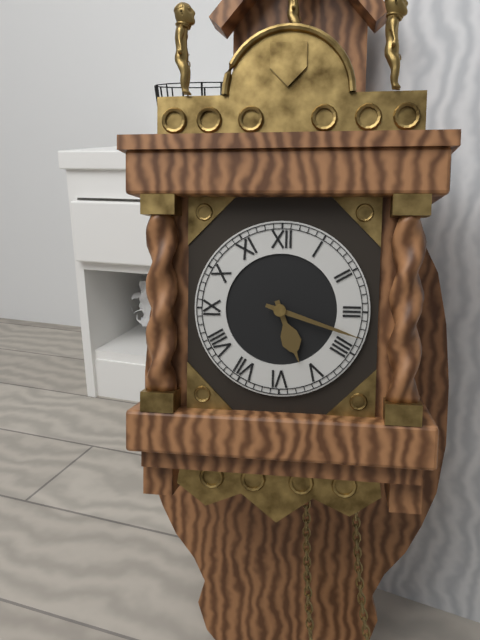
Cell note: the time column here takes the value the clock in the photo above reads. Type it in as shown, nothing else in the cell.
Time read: 5:18
